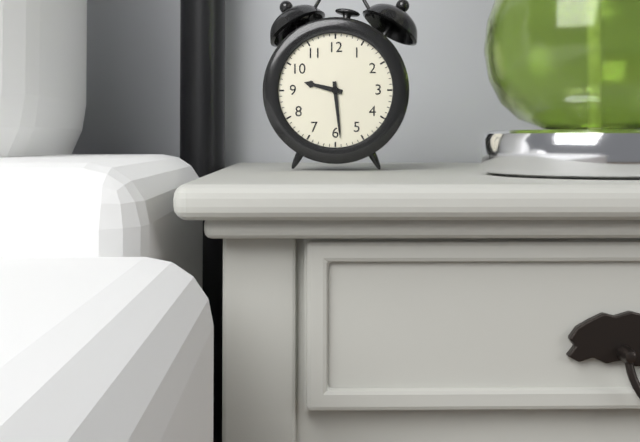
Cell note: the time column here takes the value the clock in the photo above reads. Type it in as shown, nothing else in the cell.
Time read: 9:29
